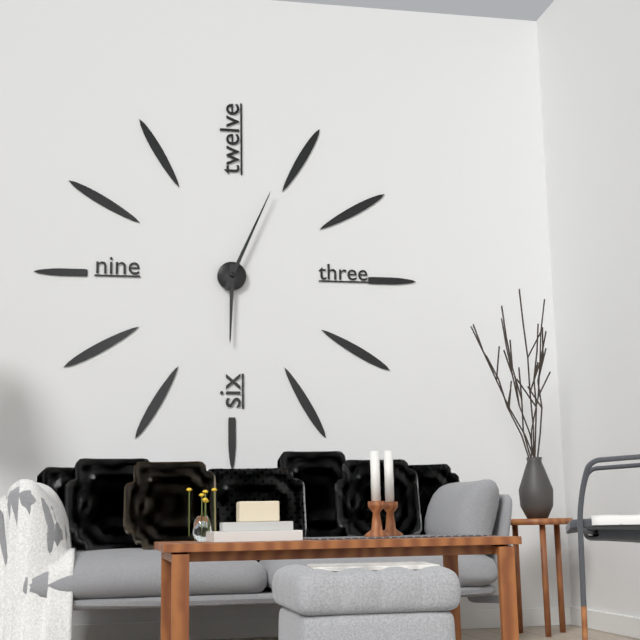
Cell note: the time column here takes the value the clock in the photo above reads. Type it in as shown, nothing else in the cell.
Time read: 6:04
